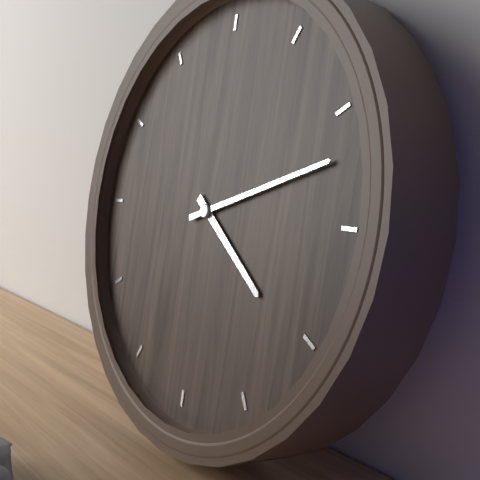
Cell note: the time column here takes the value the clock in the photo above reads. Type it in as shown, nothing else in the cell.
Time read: 4:12
